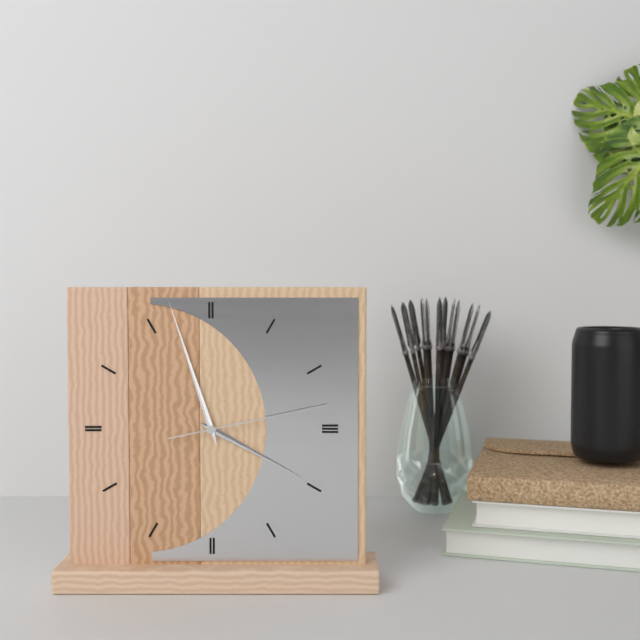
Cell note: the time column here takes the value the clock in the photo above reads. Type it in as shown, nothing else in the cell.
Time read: 3:57:13
